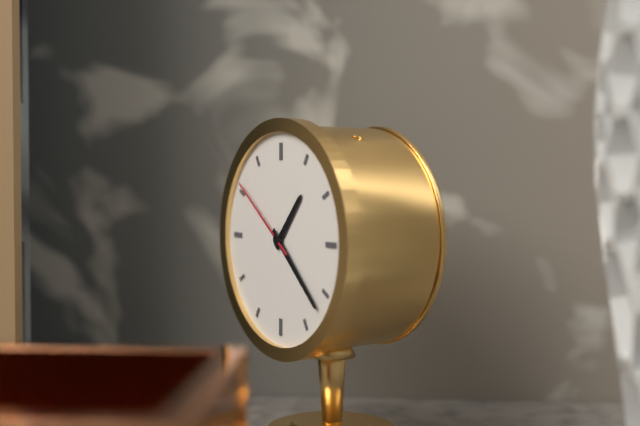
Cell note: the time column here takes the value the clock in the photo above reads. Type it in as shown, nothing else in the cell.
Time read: 1:22:51
